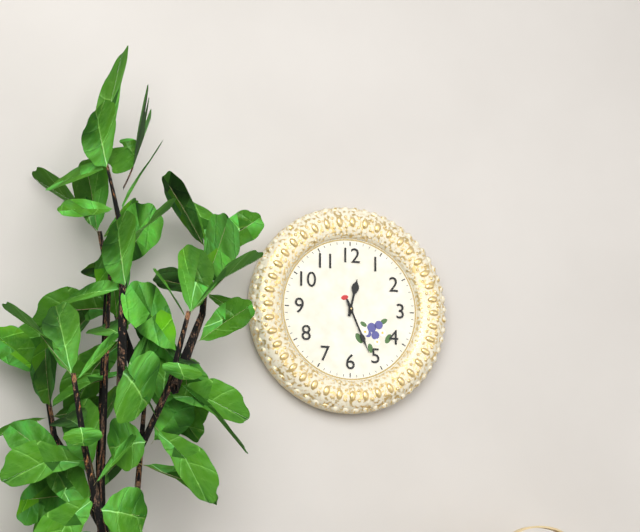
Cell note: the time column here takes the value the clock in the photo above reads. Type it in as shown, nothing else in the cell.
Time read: 12:26
